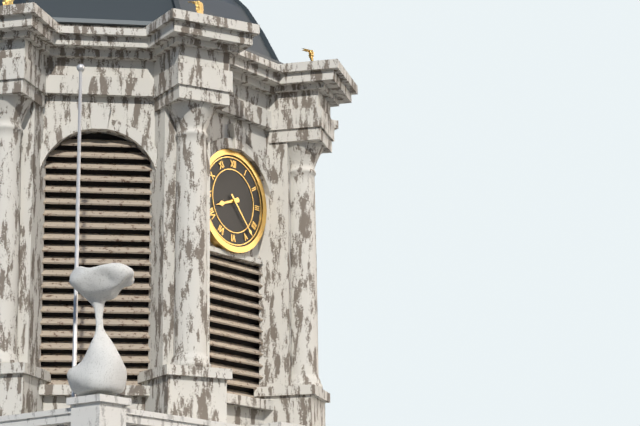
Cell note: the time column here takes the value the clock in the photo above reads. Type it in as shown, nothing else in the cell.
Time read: 8:23
